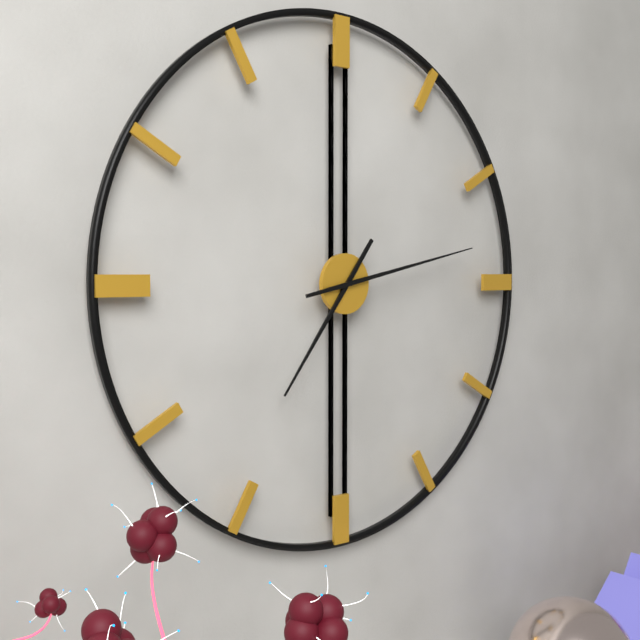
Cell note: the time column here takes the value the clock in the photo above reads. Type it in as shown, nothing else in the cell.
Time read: 7:13
